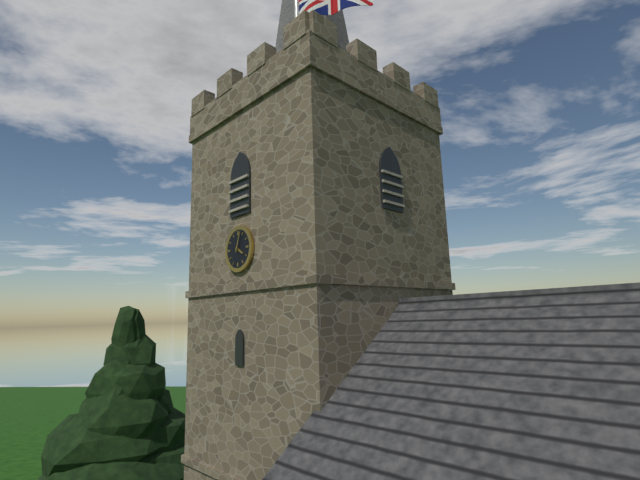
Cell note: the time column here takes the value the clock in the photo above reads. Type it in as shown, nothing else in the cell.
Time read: 4:03
